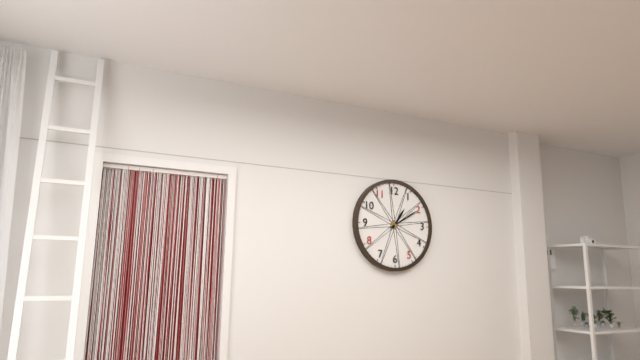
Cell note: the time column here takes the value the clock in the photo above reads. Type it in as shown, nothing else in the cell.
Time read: 1:10
